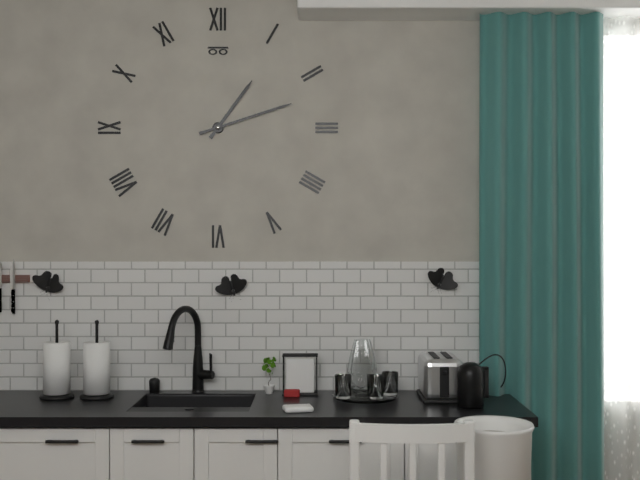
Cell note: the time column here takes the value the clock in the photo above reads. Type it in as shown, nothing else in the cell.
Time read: 1:12
